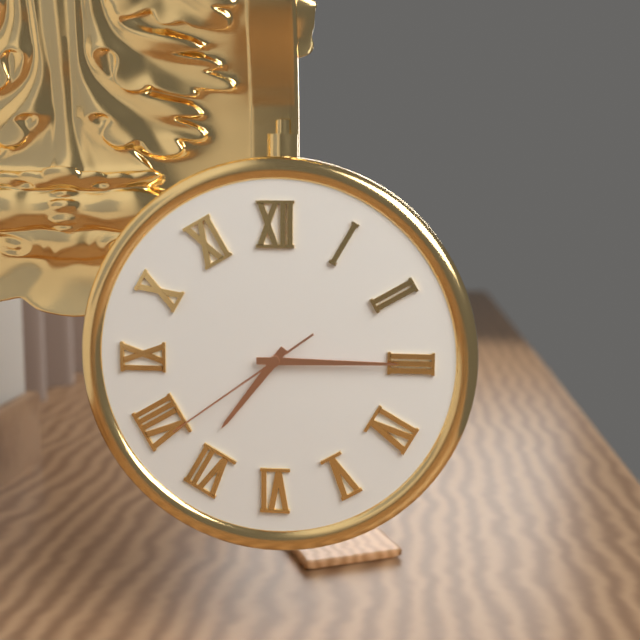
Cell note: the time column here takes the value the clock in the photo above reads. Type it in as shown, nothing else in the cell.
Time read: 7:15:39
